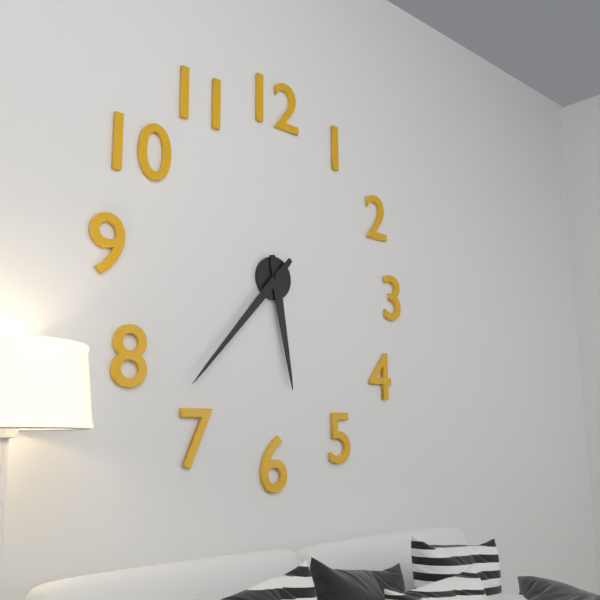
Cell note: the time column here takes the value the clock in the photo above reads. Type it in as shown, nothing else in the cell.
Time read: 5:37
